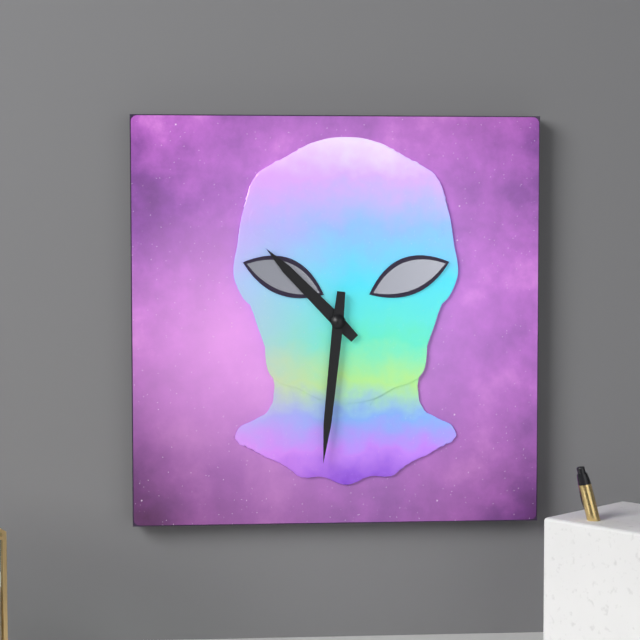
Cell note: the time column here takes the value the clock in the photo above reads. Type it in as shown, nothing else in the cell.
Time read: 10:31
